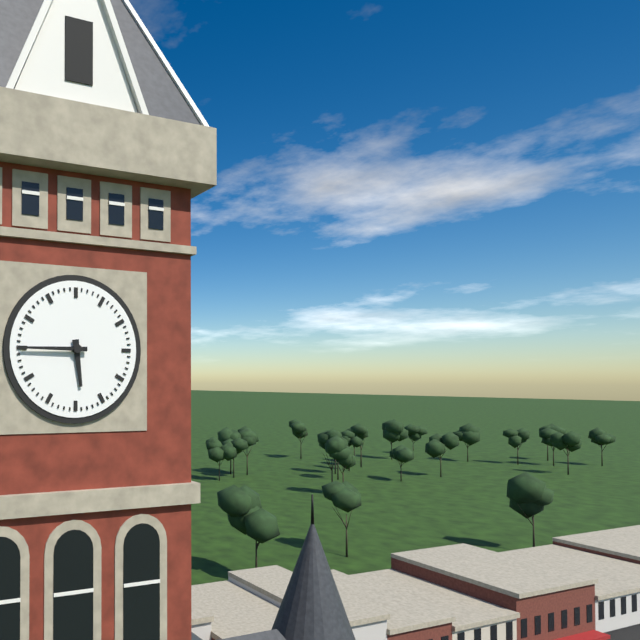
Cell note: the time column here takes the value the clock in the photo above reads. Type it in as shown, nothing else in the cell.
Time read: 5:45
